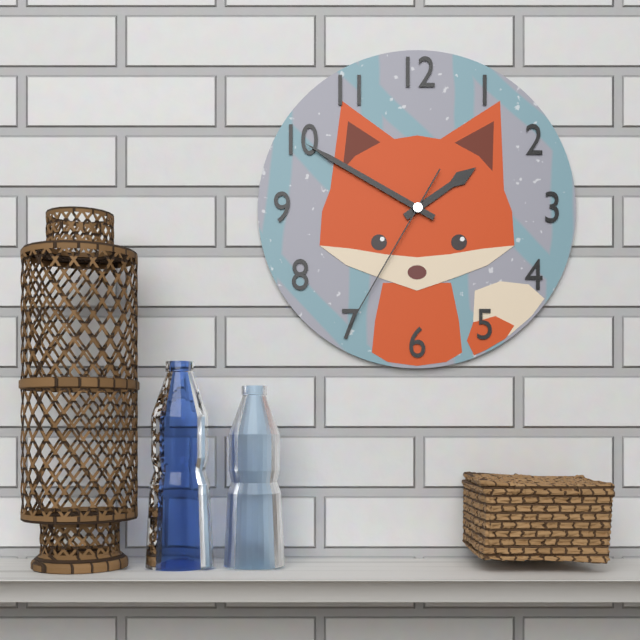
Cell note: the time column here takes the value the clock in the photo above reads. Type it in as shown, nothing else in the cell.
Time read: 1:50:35
